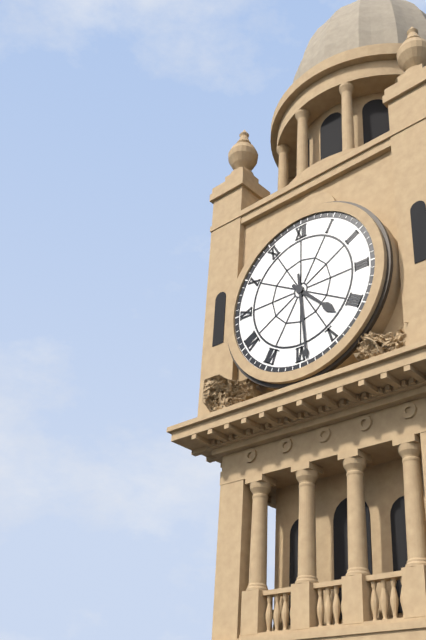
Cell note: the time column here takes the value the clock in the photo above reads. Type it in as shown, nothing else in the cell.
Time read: 4:29
